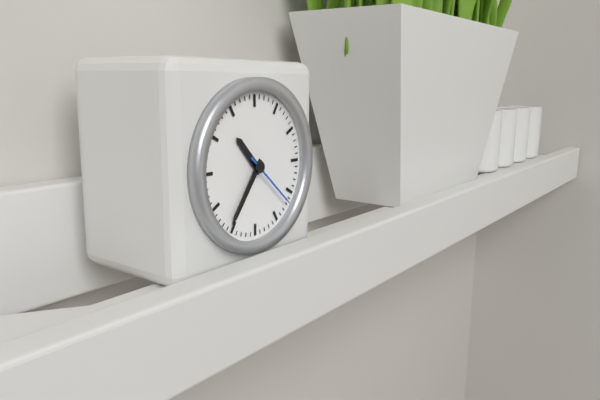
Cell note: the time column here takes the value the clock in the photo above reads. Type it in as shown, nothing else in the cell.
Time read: 10:36:22
